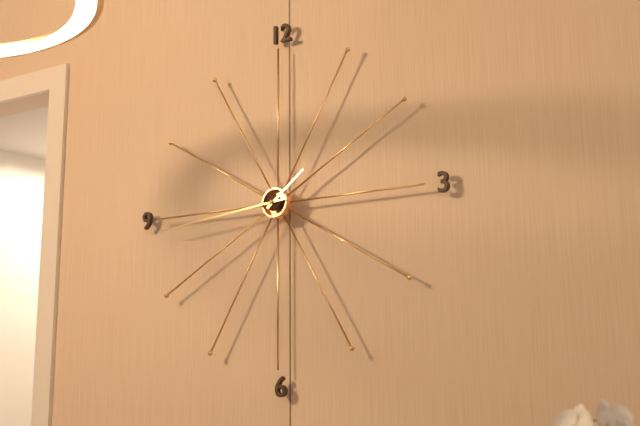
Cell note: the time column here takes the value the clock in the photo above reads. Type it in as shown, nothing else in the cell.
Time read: 1:44
